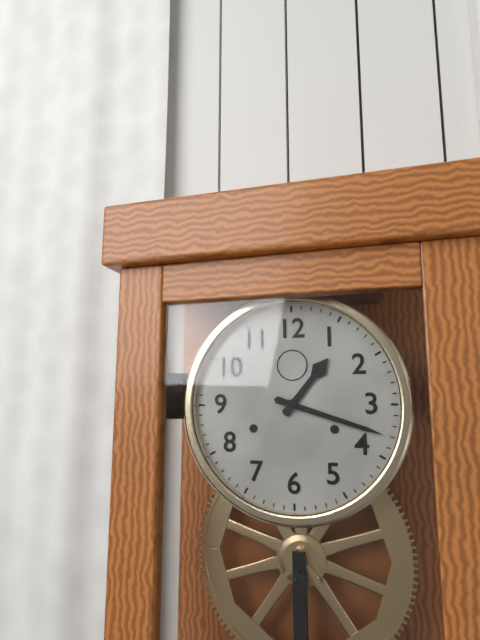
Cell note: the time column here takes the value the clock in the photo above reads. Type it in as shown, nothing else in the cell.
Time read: 1:18
